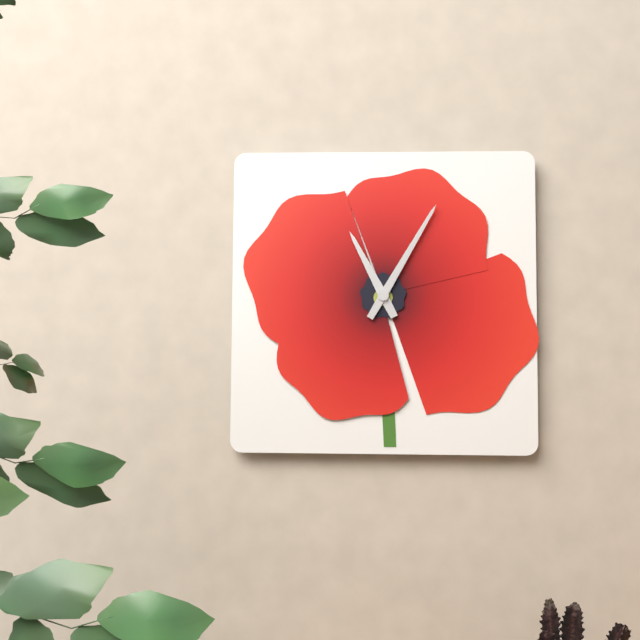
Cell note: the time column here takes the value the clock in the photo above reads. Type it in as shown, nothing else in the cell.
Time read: 11:05
